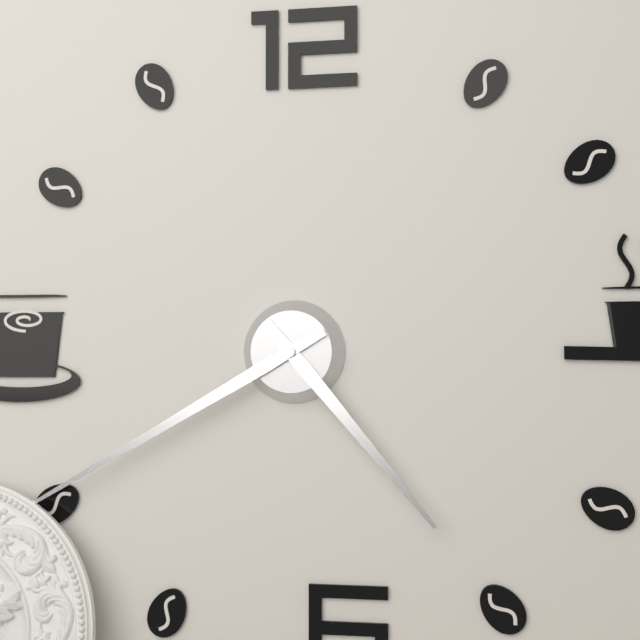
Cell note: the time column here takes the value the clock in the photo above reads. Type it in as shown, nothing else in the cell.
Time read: 4:40
